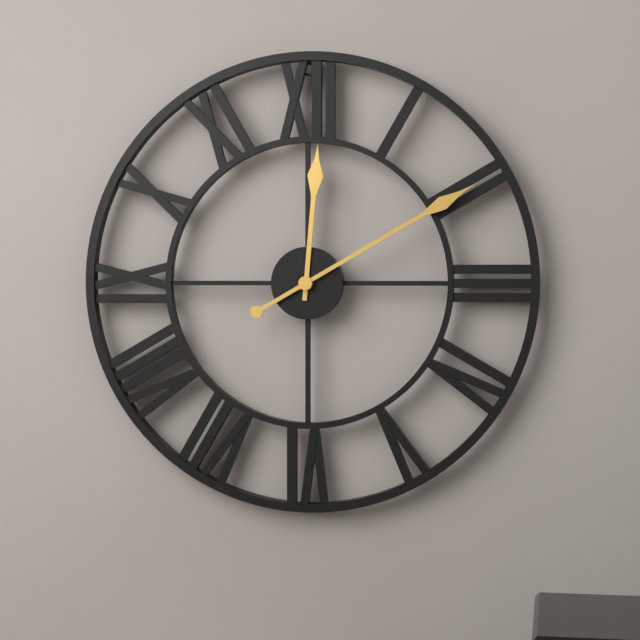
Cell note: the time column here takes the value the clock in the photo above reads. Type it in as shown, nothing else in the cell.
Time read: 12:10
